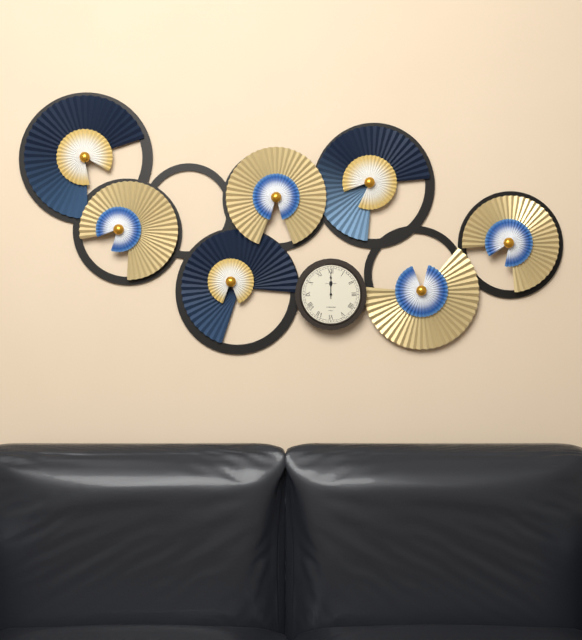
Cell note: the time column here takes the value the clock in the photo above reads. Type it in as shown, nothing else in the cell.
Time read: 12:00
